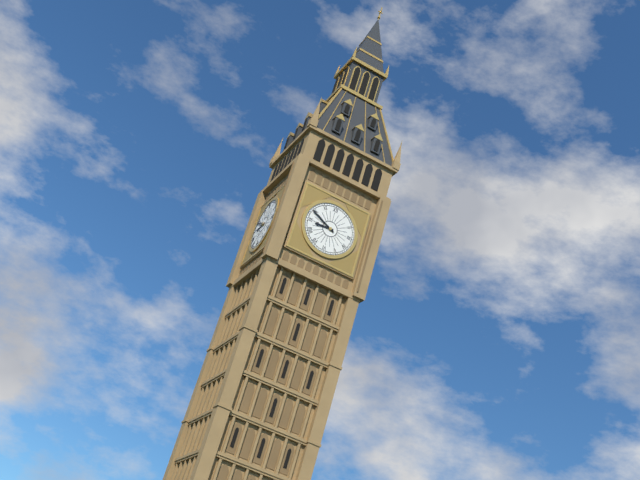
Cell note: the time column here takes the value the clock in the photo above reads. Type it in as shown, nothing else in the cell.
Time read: 8:49
